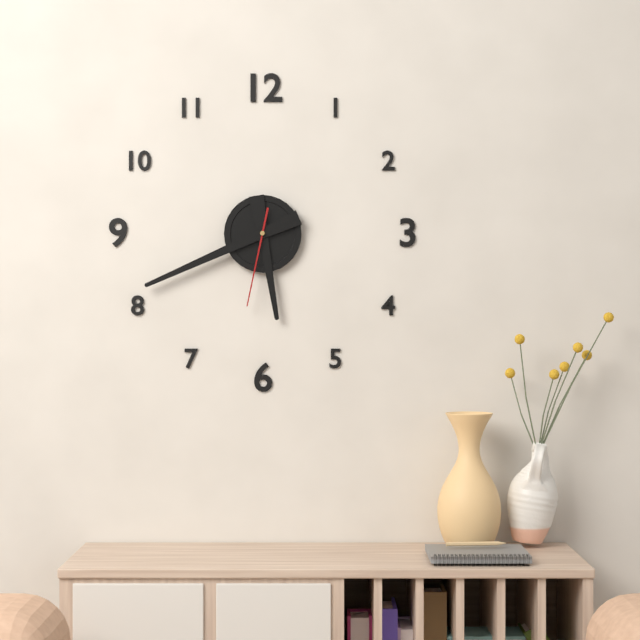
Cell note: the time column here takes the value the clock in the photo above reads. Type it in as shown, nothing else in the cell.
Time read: 5:41:32
